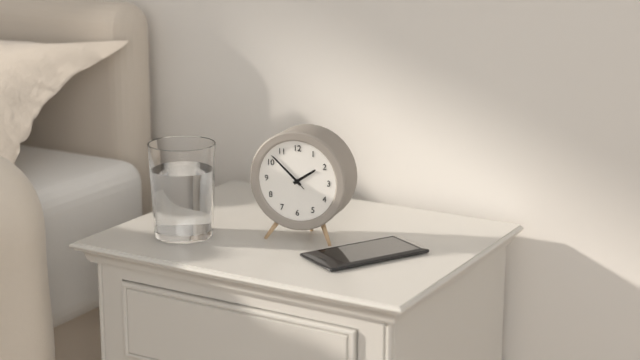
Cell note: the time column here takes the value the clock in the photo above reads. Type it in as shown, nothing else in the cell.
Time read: 1:52
